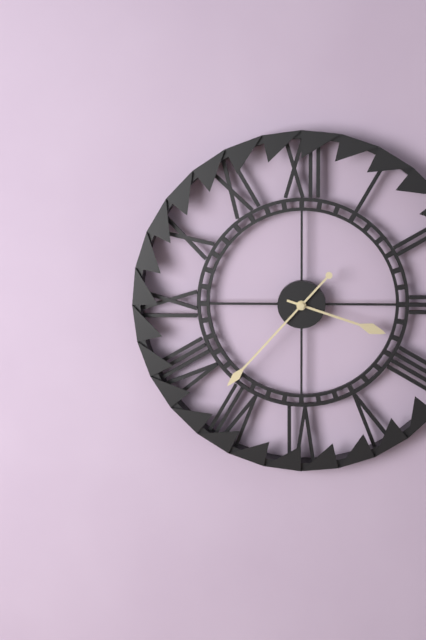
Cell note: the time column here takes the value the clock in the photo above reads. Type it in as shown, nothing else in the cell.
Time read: 3:37
